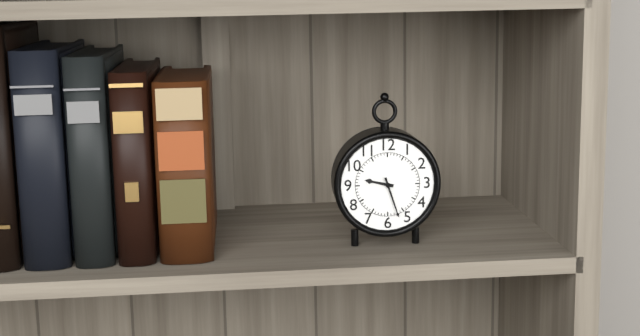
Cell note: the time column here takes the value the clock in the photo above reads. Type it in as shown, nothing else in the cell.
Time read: 9:27
